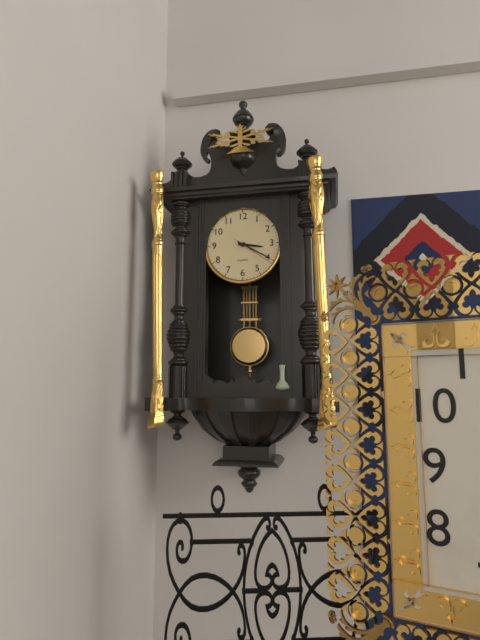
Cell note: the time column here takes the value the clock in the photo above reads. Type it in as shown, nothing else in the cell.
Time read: 3:20
